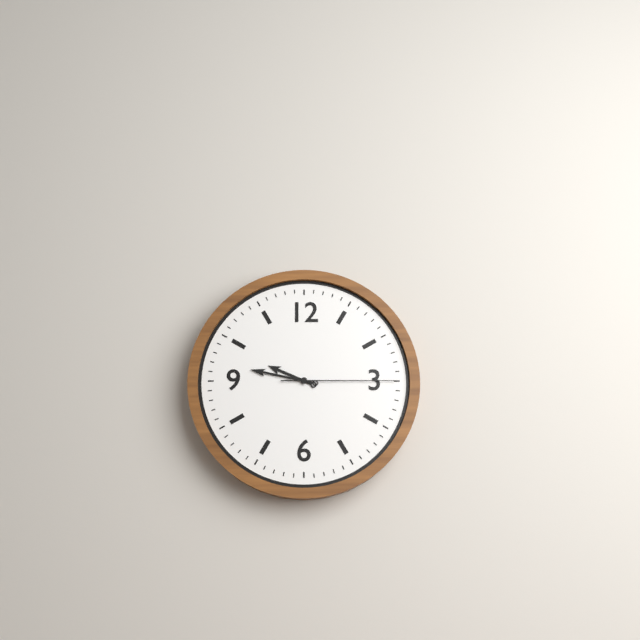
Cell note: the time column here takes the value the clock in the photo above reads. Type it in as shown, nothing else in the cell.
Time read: 9:47:15
